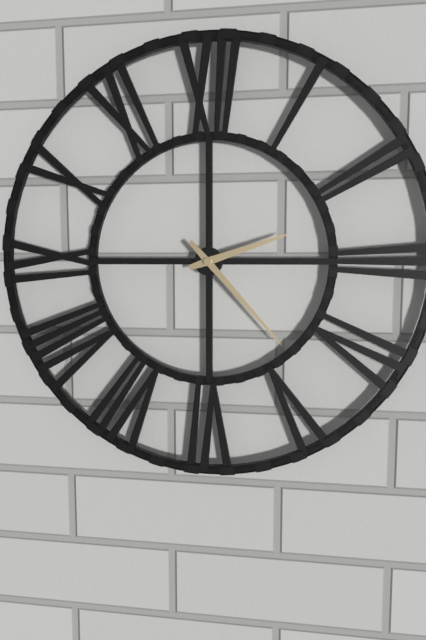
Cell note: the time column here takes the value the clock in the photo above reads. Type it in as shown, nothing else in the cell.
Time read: 2:23
